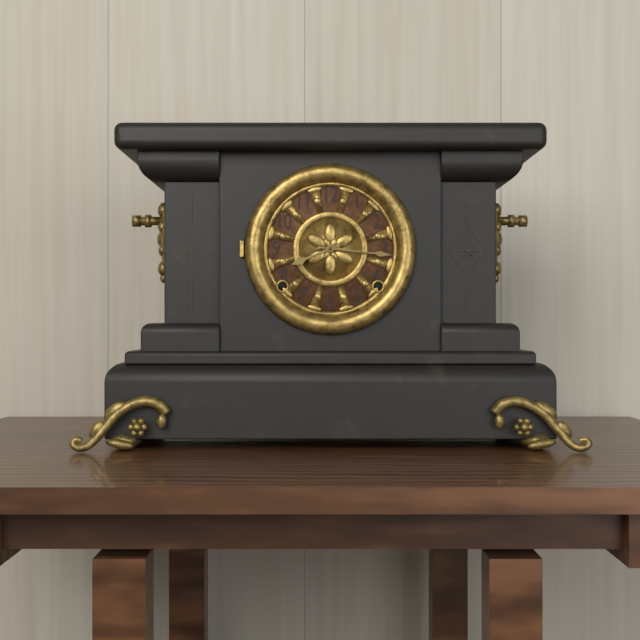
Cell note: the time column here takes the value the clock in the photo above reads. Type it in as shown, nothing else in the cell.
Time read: 8:16
